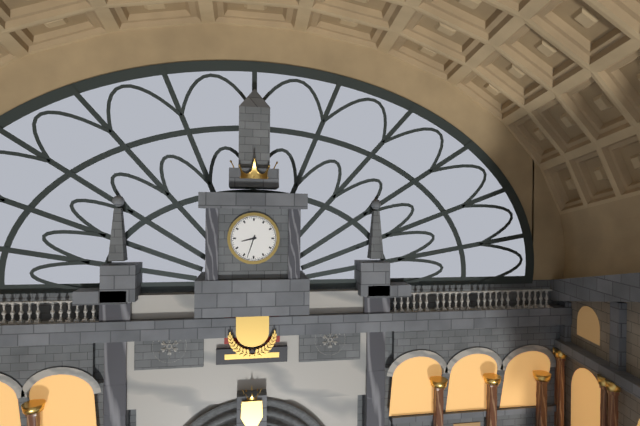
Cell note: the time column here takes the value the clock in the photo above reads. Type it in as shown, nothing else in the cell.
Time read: 8:33
